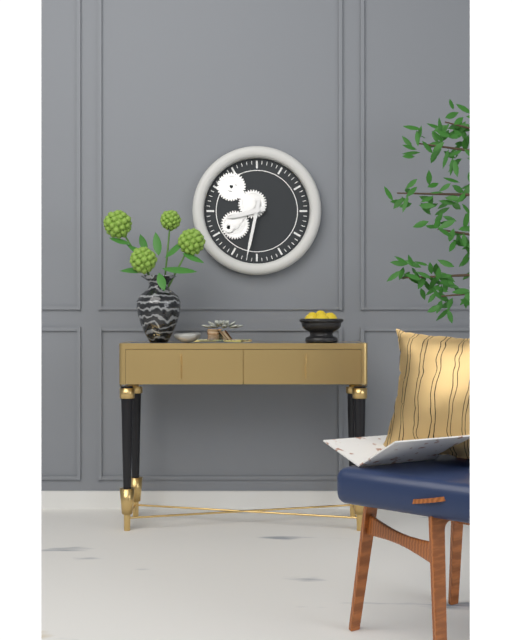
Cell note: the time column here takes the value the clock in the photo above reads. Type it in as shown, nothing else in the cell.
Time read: 8:32
